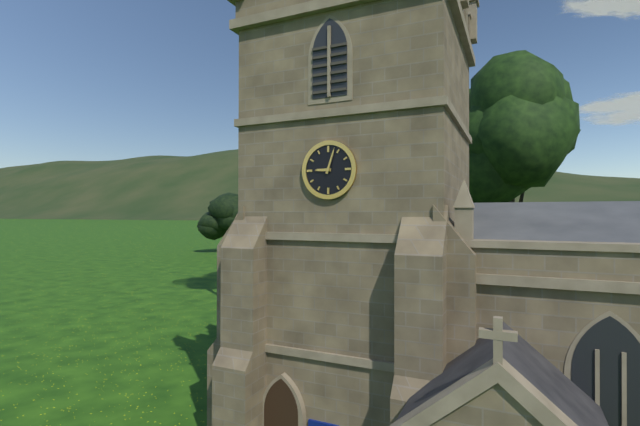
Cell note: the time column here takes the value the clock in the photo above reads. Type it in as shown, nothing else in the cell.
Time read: 9:03
